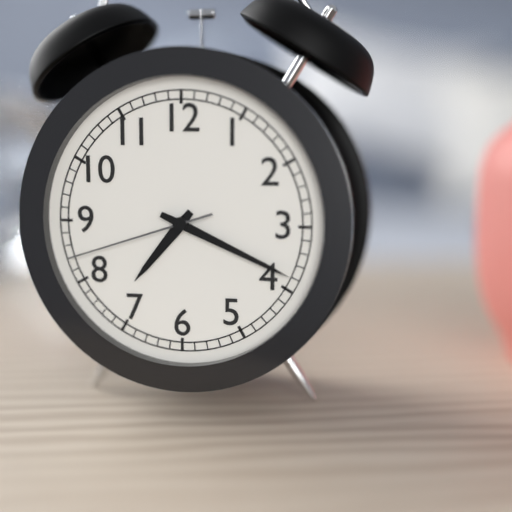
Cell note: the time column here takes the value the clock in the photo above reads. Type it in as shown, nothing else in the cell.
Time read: 7:19:42
